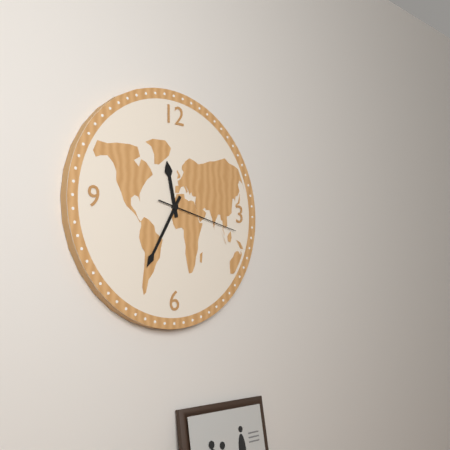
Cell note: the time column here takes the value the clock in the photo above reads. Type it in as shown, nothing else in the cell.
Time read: 11:35:17
